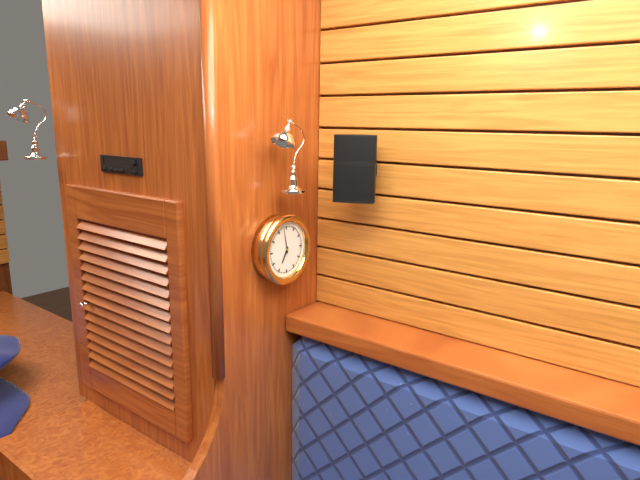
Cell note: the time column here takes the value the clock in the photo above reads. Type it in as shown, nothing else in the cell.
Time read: 6:58
